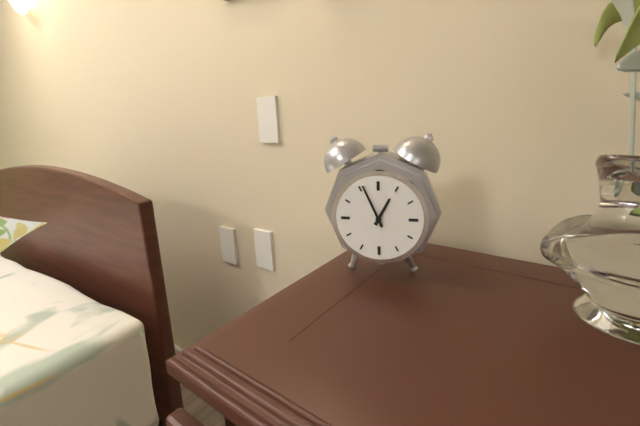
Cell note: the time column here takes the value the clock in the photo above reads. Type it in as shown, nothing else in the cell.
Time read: 12:56
